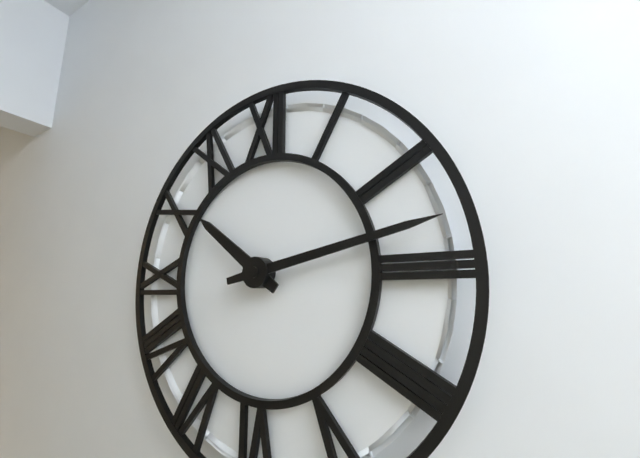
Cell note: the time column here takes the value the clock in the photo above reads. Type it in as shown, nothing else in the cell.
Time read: 10:13
